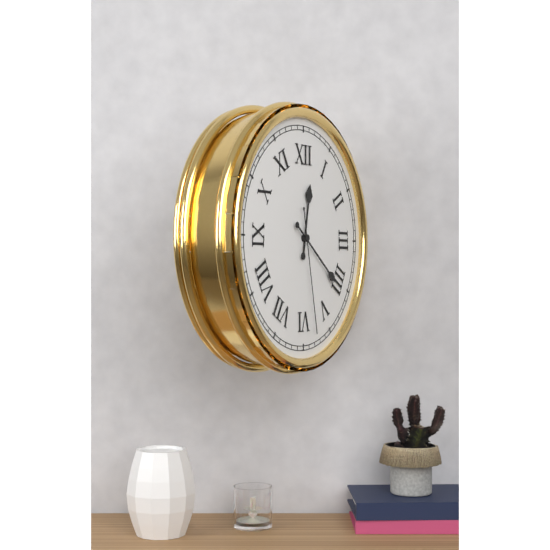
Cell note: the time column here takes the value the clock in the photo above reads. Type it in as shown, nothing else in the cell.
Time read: 12:21:28
